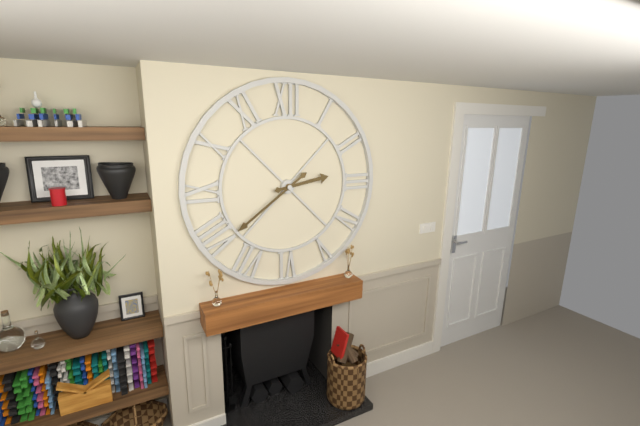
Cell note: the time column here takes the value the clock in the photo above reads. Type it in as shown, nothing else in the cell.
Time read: 2:39
